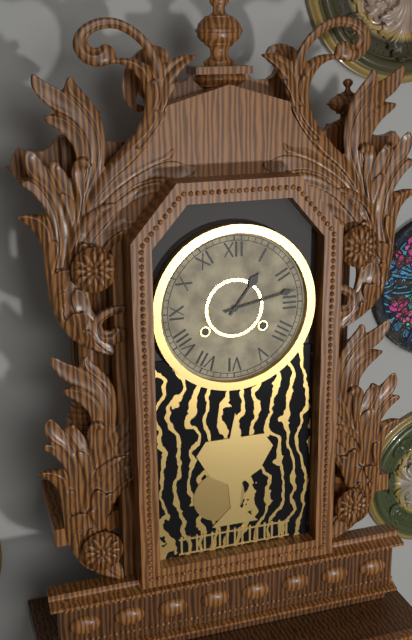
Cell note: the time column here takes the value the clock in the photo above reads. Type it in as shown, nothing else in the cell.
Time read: 1:13
